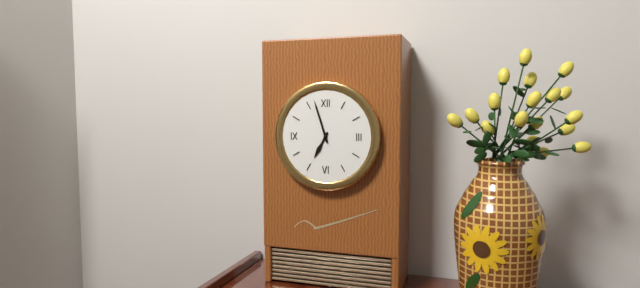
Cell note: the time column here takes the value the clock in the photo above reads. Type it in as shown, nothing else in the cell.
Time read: 6:57
